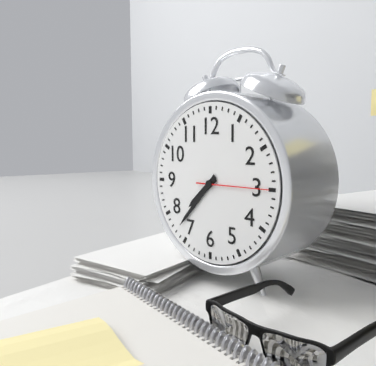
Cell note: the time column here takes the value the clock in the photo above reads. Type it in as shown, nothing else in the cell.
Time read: 7:37:15
